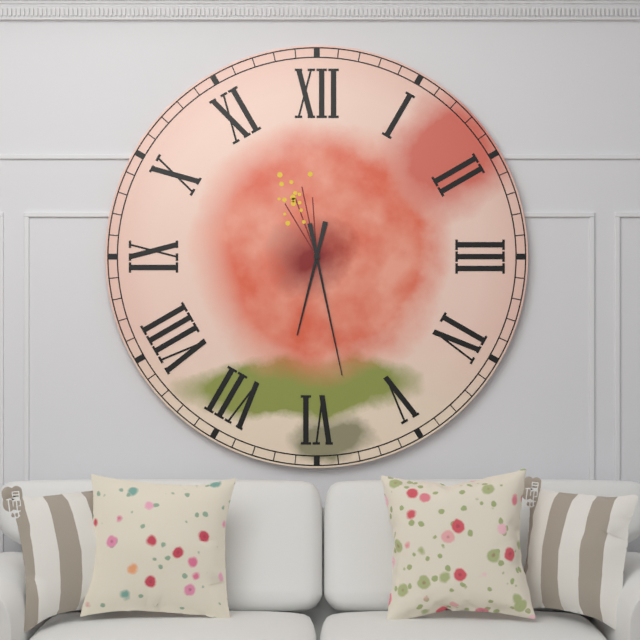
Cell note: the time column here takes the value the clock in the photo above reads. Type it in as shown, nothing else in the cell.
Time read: 6:28
